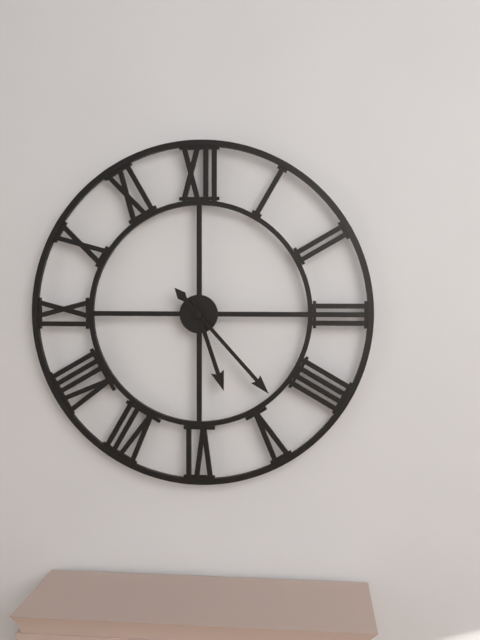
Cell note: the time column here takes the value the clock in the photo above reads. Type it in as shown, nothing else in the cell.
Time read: 5:23
